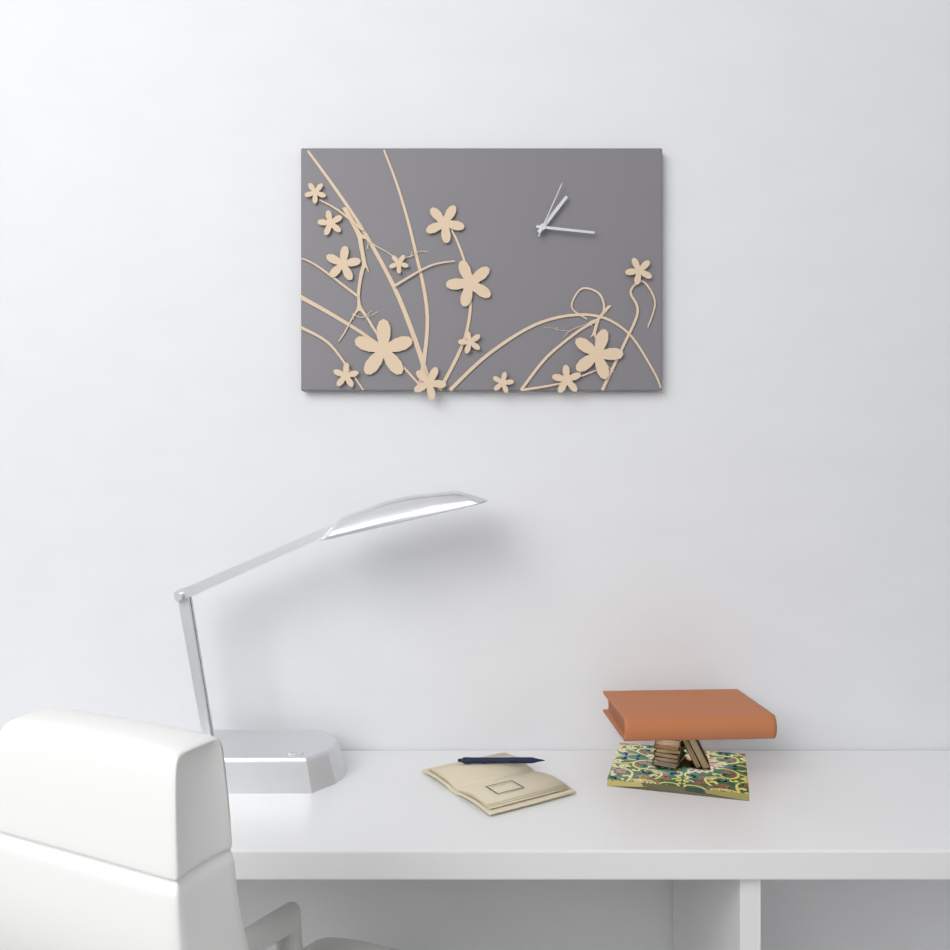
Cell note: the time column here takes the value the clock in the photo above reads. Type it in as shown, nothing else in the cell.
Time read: 1:16:04
